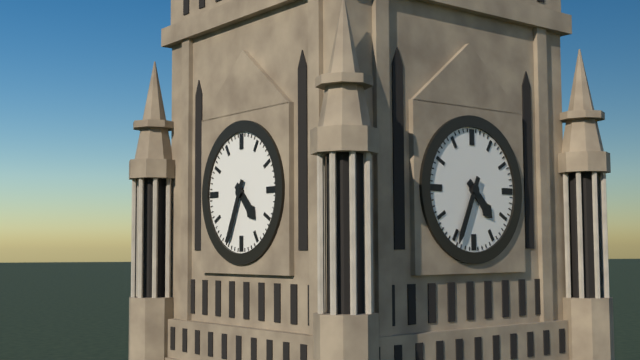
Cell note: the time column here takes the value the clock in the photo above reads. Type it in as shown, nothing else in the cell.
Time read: 4:34
